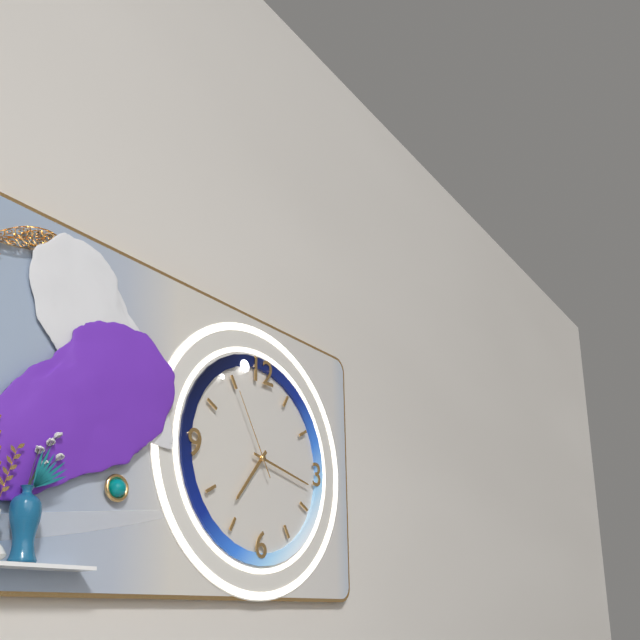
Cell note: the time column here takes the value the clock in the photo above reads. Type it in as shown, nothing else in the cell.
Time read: 7:17:55
